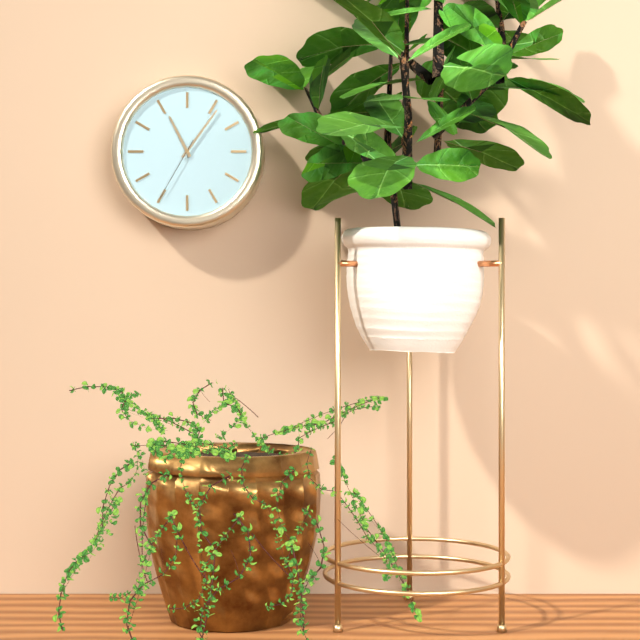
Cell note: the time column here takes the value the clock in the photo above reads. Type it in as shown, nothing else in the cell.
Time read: 11:06:35
